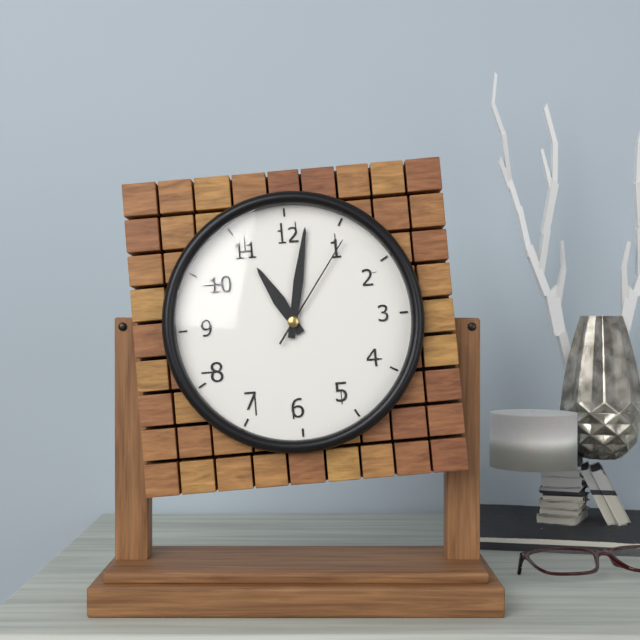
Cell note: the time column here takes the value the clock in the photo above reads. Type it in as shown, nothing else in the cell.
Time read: 11:02:06
